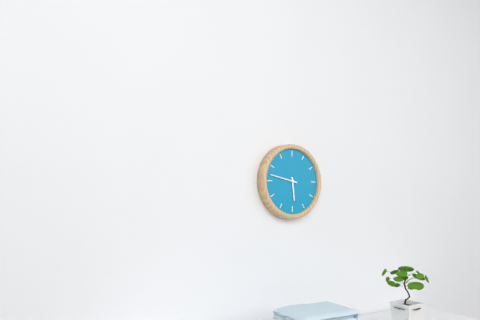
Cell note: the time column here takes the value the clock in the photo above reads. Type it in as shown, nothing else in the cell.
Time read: 5:47
